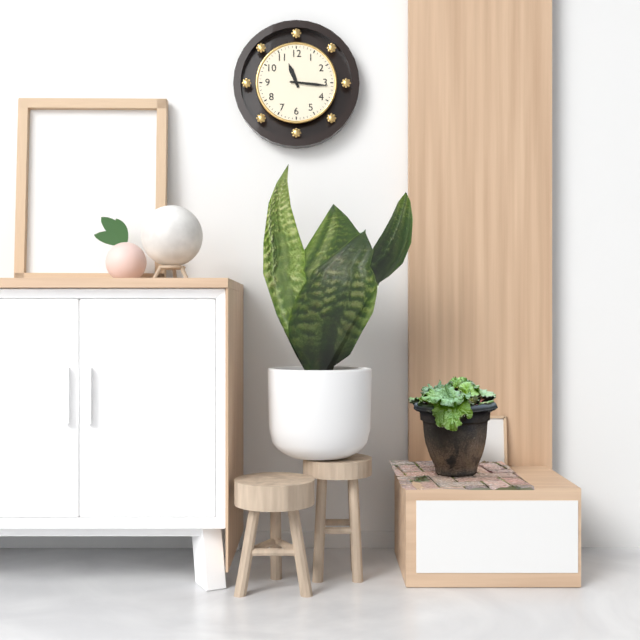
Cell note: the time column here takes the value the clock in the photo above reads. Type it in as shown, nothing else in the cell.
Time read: 11:16
